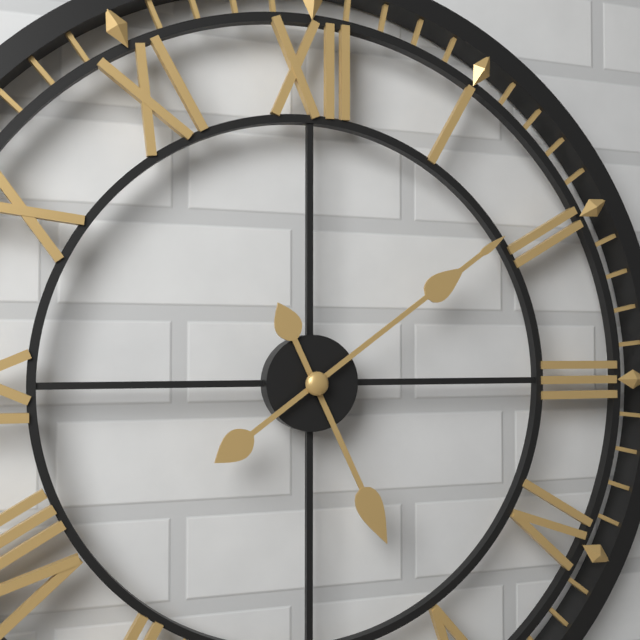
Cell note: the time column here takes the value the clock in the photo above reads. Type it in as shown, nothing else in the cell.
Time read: 5:09
